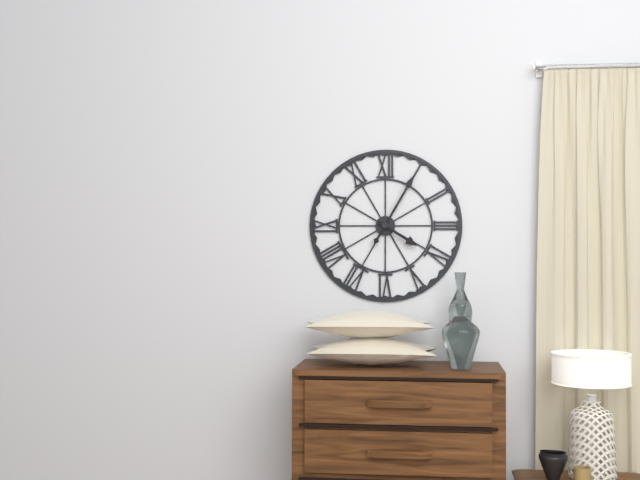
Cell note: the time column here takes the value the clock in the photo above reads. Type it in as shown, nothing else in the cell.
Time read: 4:05
